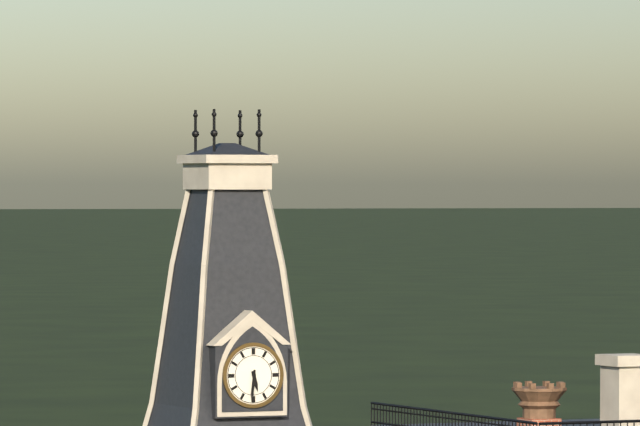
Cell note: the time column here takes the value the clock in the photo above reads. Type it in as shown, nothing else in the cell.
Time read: 5:31
